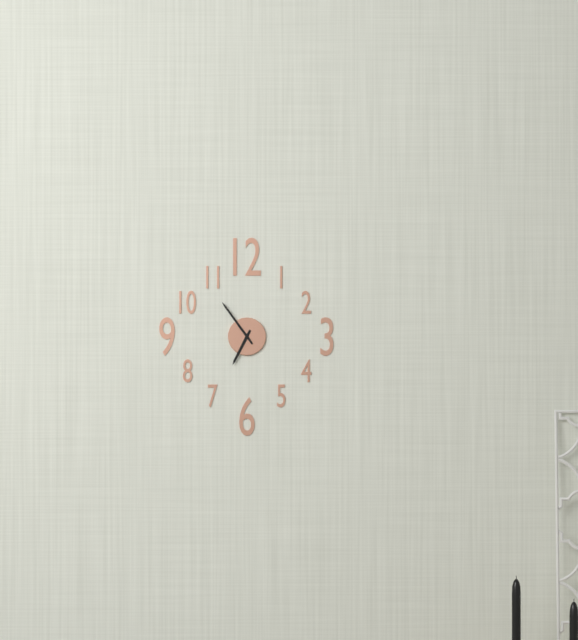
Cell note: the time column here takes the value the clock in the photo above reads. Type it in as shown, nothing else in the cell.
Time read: 6:54
